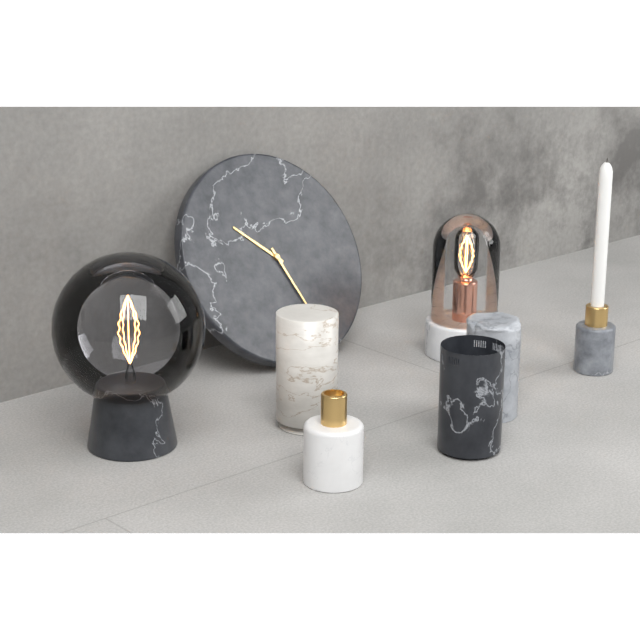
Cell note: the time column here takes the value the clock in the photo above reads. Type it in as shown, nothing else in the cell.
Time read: 10:27
